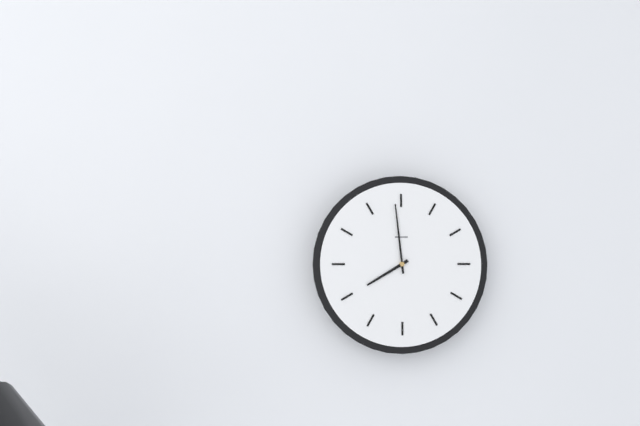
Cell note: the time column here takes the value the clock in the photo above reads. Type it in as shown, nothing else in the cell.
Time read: 7:59
